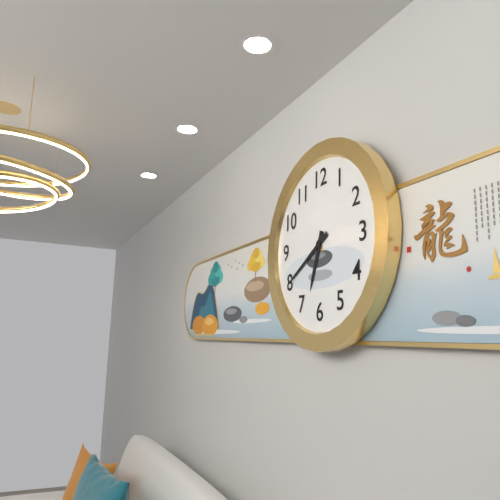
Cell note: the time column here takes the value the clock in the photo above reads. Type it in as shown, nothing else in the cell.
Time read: 6:40
